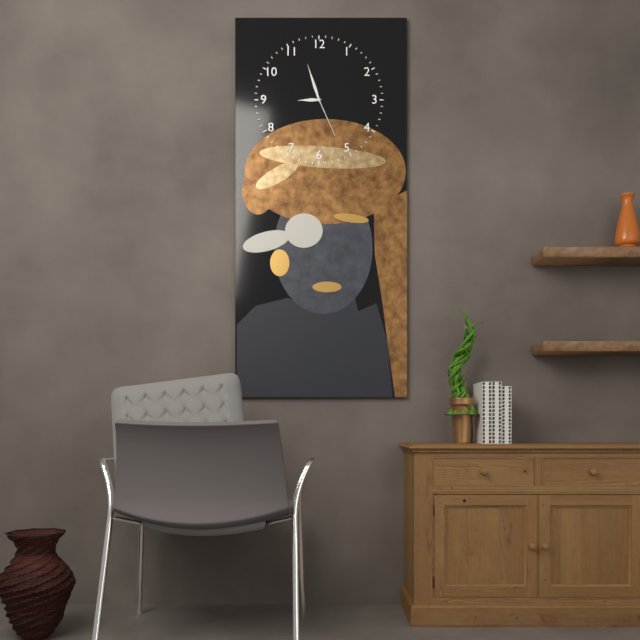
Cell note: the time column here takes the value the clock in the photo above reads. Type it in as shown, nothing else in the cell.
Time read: 8:57
